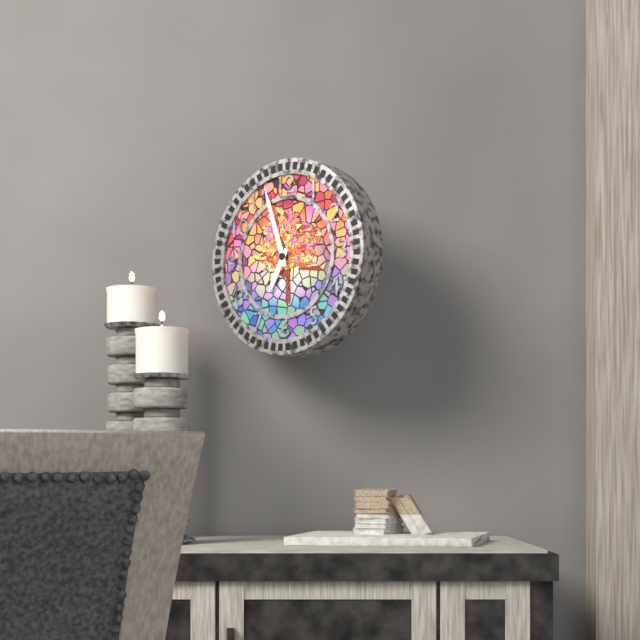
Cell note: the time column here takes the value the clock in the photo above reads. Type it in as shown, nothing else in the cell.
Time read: 6:57
